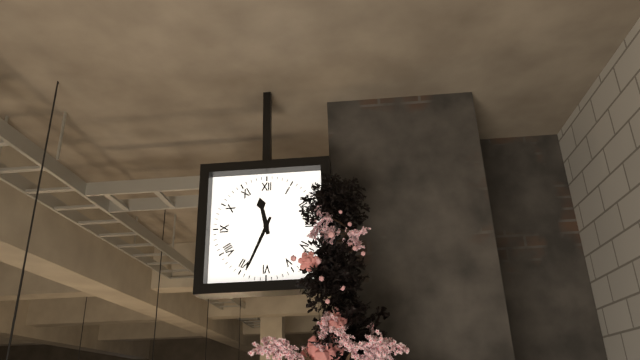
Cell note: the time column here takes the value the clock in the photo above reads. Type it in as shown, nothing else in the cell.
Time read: 11:34
